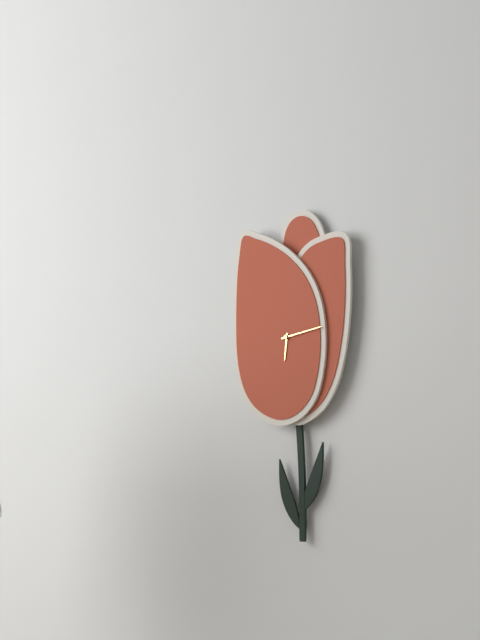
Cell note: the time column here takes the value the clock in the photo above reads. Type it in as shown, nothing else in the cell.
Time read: 6:13
